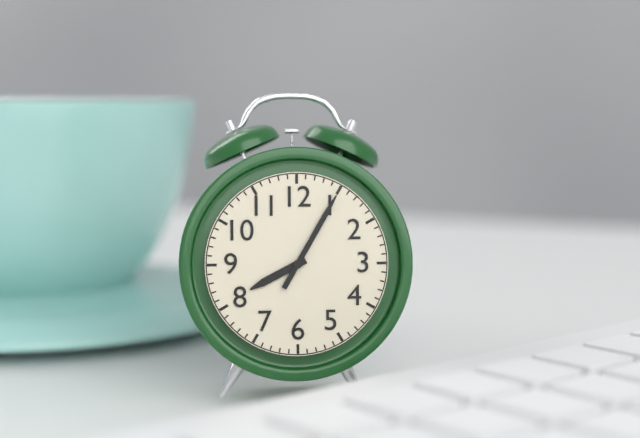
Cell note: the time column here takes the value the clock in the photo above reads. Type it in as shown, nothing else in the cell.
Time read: 8:05
